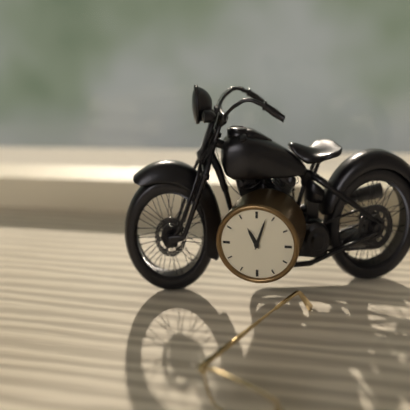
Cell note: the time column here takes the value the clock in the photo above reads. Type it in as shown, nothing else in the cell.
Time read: 11:03
